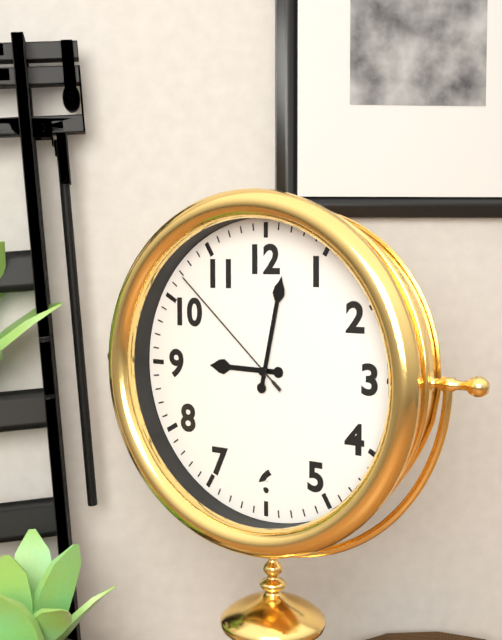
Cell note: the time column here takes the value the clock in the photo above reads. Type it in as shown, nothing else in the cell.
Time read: 9:02:52
